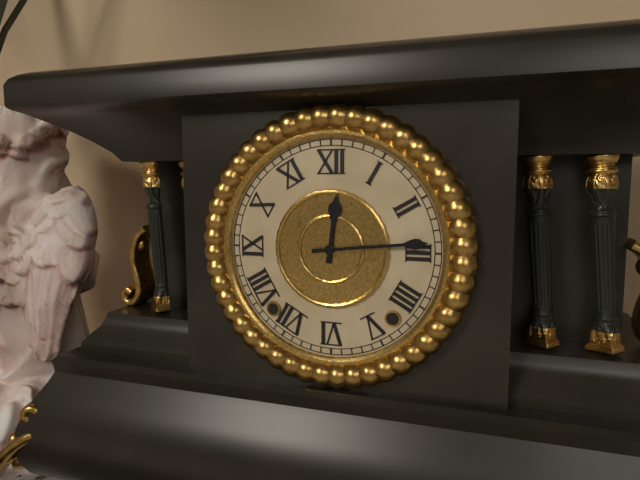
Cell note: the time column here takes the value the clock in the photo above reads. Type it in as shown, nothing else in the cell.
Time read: 12:14
